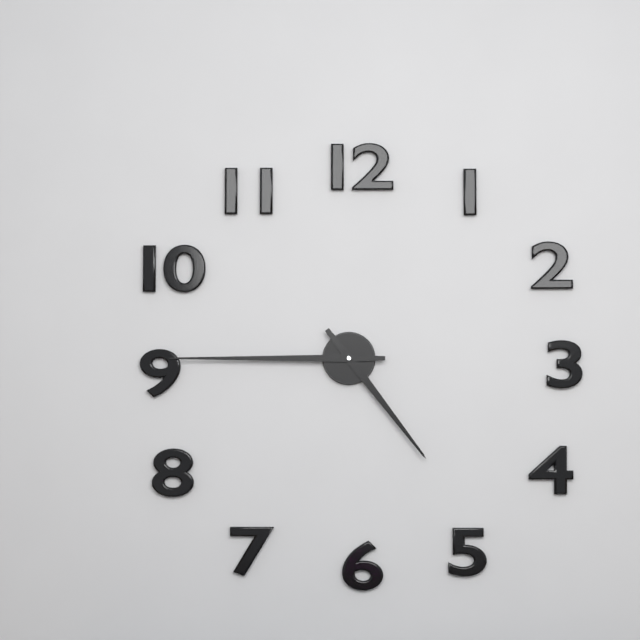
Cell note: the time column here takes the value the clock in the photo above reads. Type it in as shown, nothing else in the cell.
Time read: 4:45
